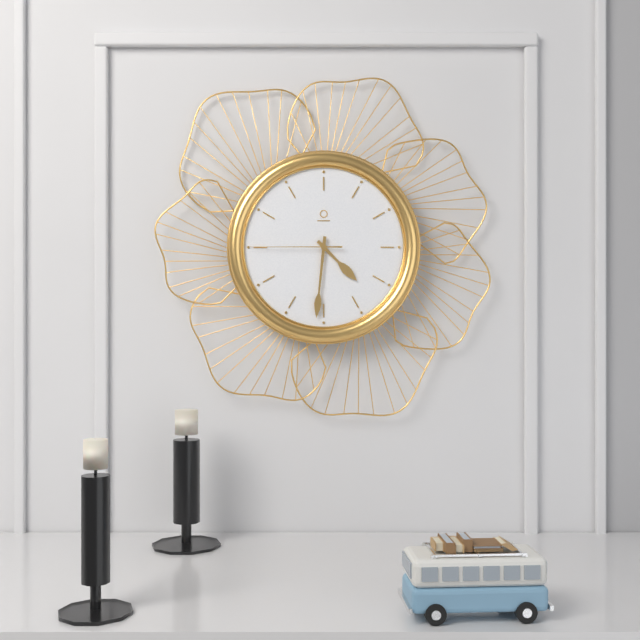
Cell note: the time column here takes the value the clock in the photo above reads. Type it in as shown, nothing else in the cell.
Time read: 4:31:45
